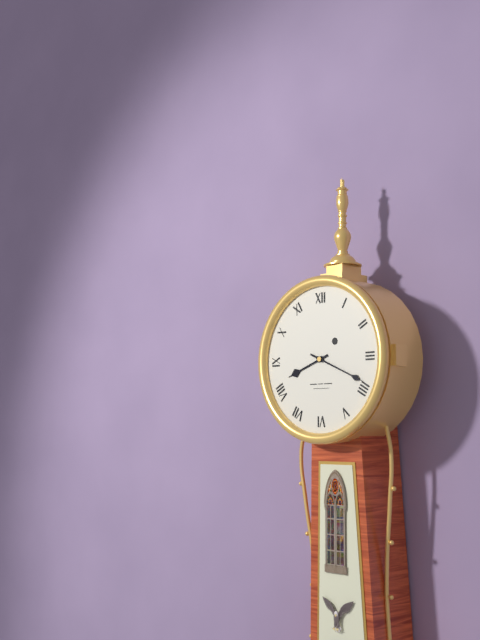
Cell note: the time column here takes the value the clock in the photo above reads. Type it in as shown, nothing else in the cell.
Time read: 8:19
